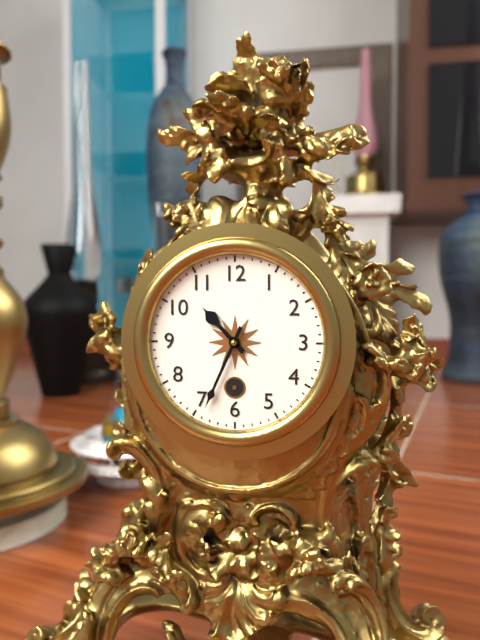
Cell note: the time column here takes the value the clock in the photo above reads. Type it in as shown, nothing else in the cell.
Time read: 10:34
